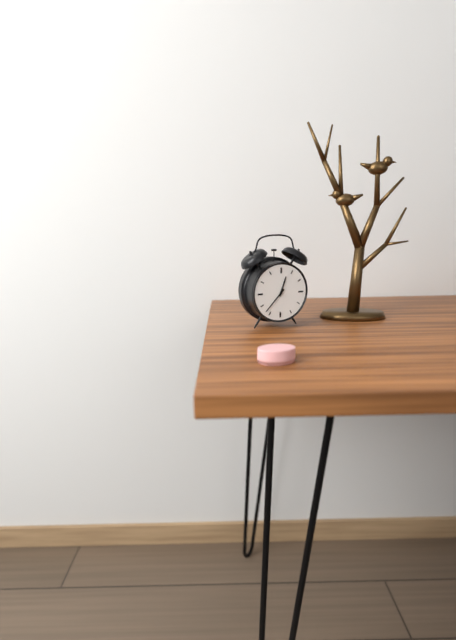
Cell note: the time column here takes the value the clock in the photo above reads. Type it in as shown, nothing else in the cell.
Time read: 12:37
